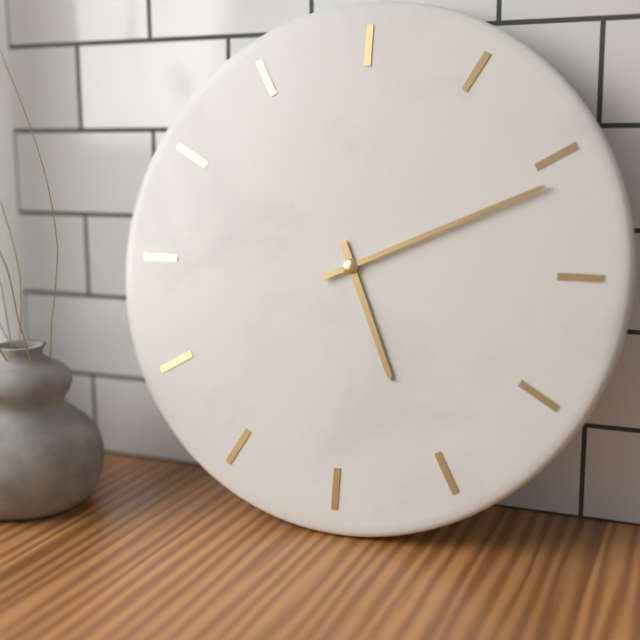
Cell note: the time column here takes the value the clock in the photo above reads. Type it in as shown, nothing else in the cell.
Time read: 5:11
